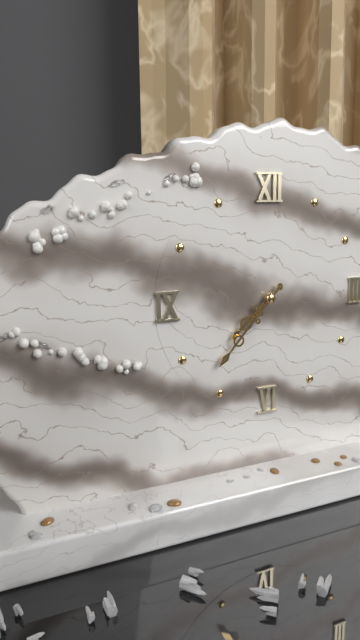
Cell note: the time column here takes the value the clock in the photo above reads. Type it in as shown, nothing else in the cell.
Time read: 7:37
